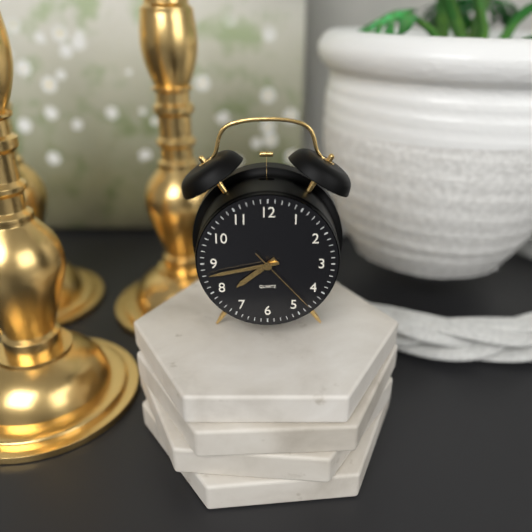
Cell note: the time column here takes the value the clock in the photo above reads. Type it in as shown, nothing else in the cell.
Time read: 7:43:23
